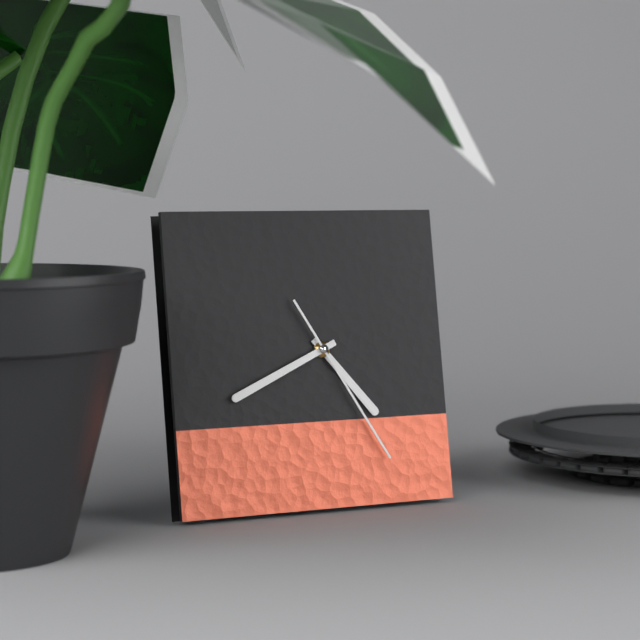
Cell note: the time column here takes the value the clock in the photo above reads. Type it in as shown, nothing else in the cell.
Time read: 4:41:25
